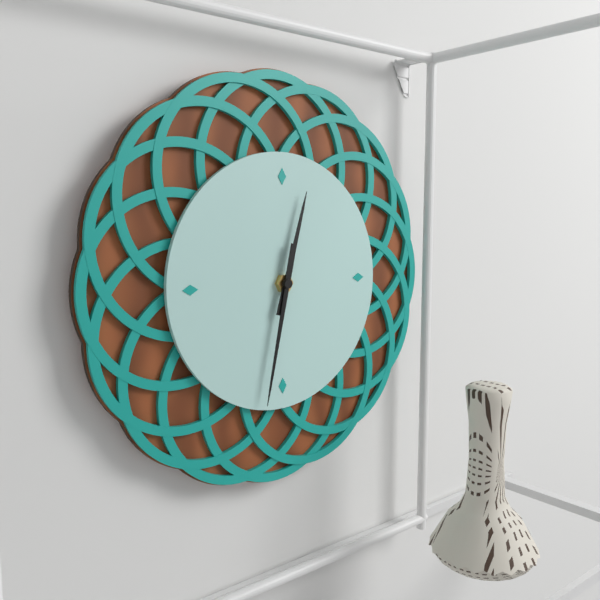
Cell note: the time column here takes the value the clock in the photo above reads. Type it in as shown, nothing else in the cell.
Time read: 12:32
